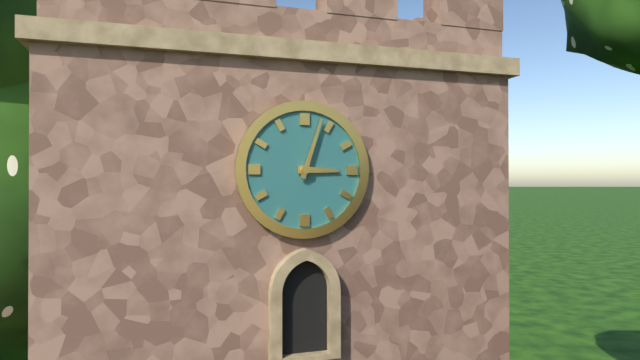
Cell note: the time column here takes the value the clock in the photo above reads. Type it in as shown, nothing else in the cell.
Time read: 3:03
